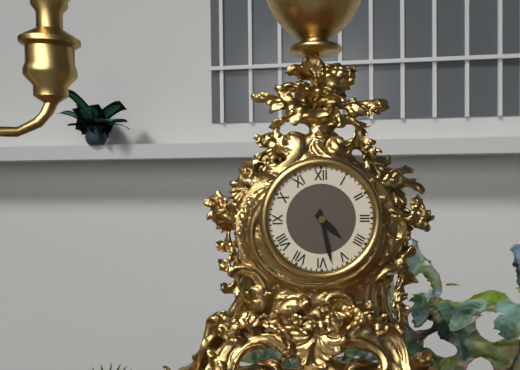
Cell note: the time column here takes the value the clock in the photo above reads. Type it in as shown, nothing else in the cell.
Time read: 4:28
